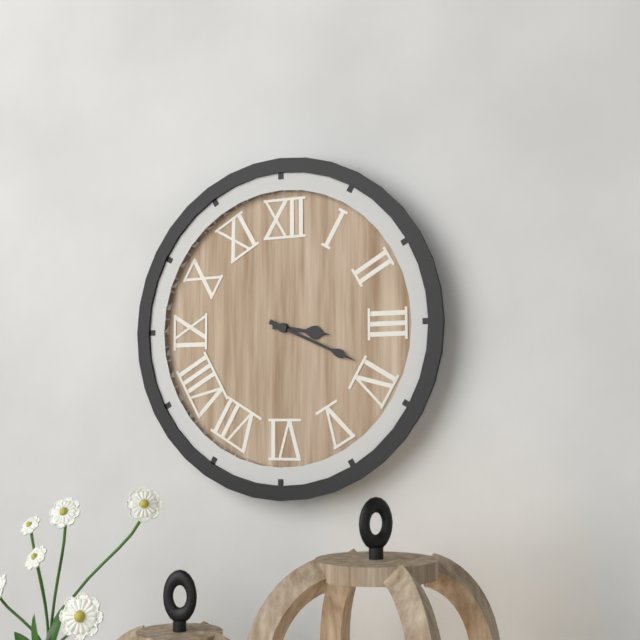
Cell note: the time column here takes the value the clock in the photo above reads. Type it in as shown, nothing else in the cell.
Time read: 3:19
